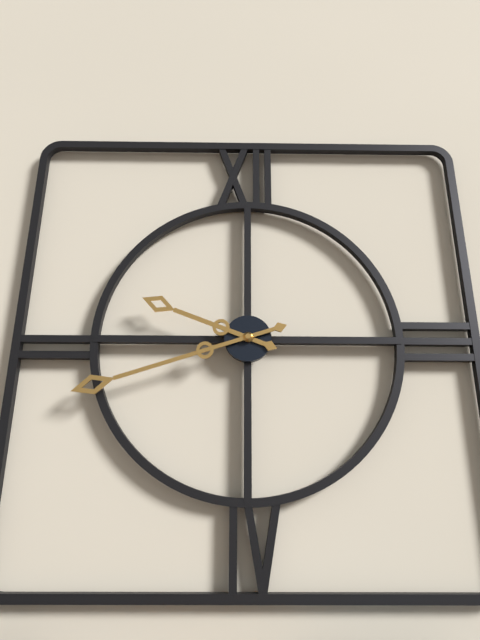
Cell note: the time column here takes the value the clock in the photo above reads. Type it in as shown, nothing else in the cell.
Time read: 9:42
